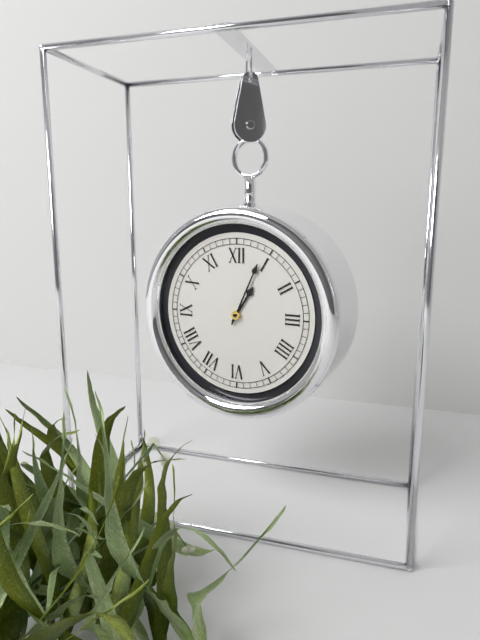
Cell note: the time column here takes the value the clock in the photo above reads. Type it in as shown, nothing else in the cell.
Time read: 1:04
